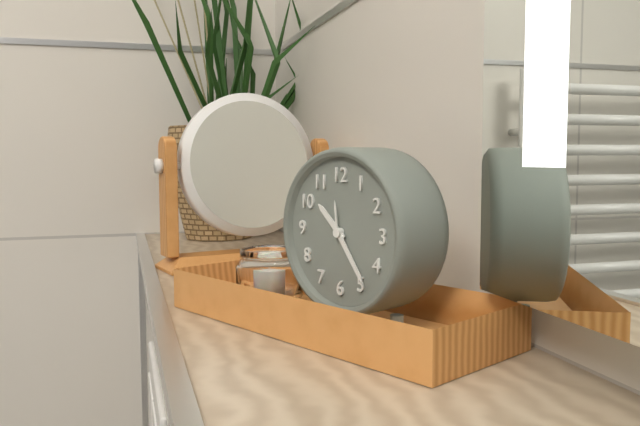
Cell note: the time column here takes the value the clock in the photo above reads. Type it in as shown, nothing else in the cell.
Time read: 10:24
